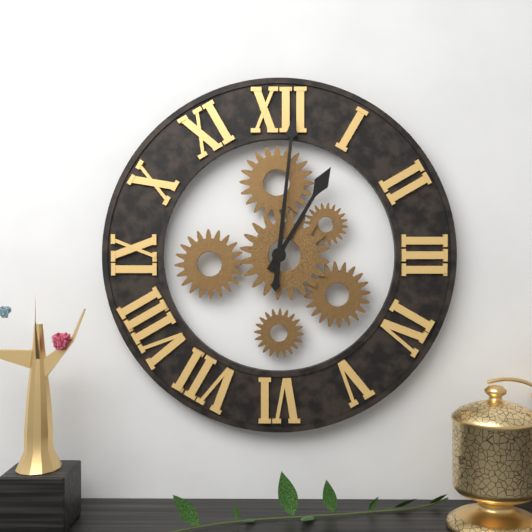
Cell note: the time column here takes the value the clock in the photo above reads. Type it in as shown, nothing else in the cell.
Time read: 1:01
